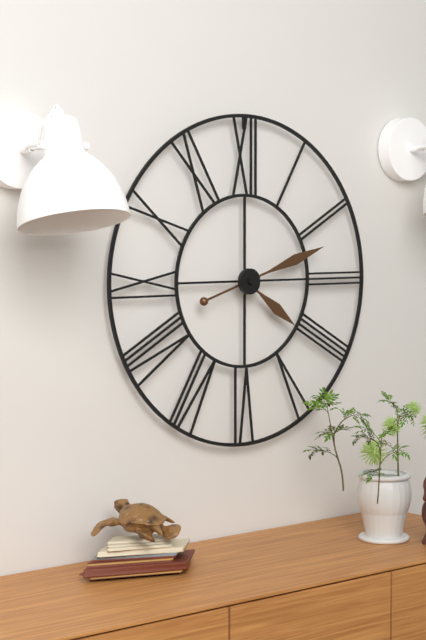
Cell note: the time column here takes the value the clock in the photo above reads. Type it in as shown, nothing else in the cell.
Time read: 4:12
